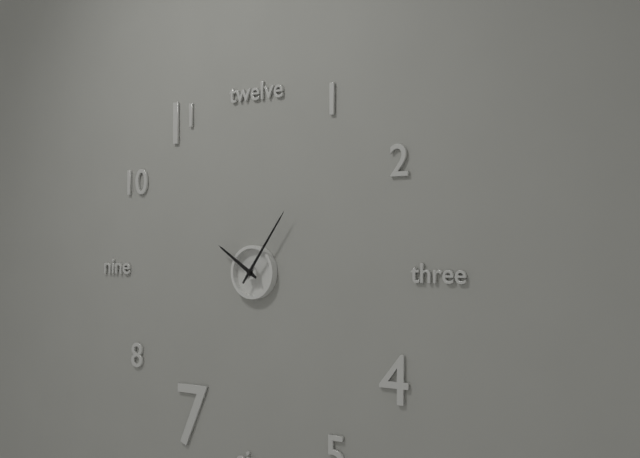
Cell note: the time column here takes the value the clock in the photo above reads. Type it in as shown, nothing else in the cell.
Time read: 10:06
